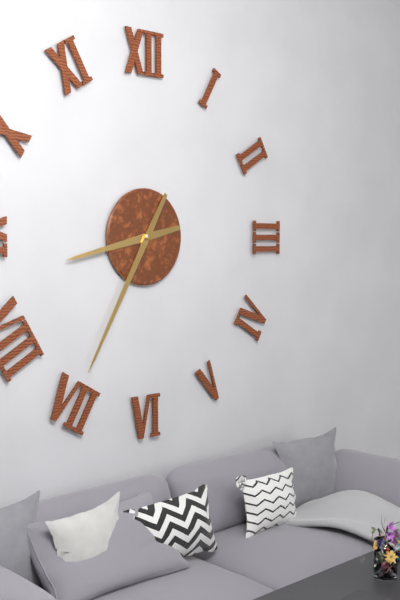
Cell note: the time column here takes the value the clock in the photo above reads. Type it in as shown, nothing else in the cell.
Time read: 8:35
